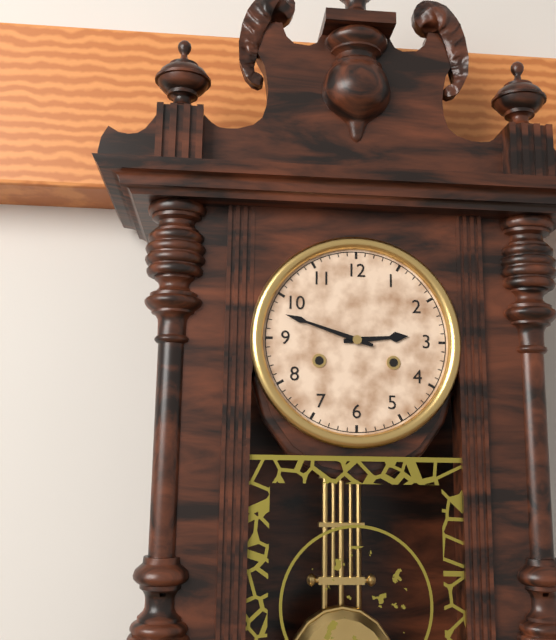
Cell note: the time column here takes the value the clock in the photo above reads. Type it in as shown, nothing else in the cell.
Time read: 2:48
